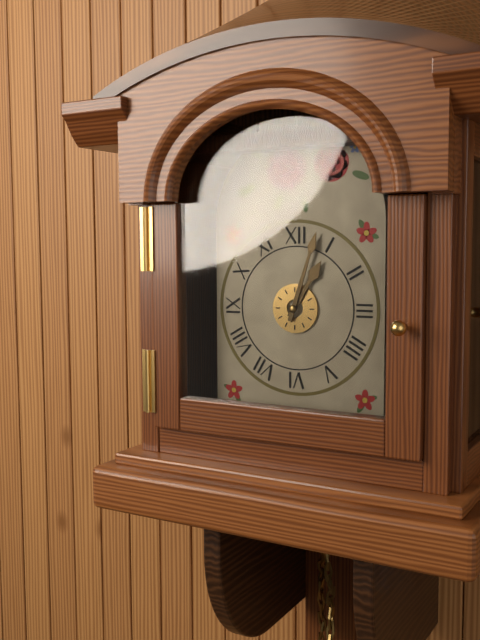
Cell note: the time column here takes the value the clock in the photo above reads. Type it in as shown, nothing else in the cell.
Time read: 1:03
